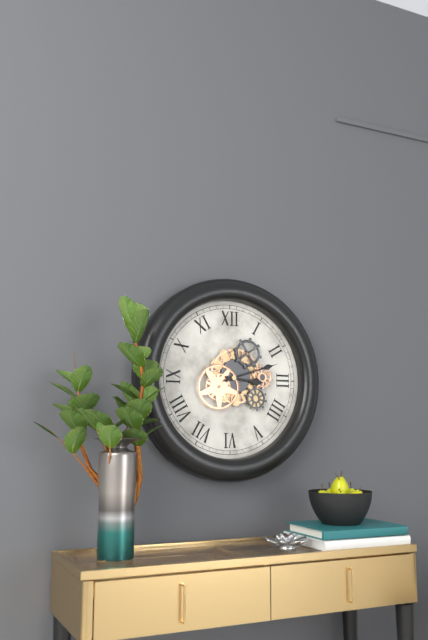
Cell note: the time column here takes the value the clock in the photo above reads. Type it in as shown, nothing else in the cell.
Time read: 3:12
